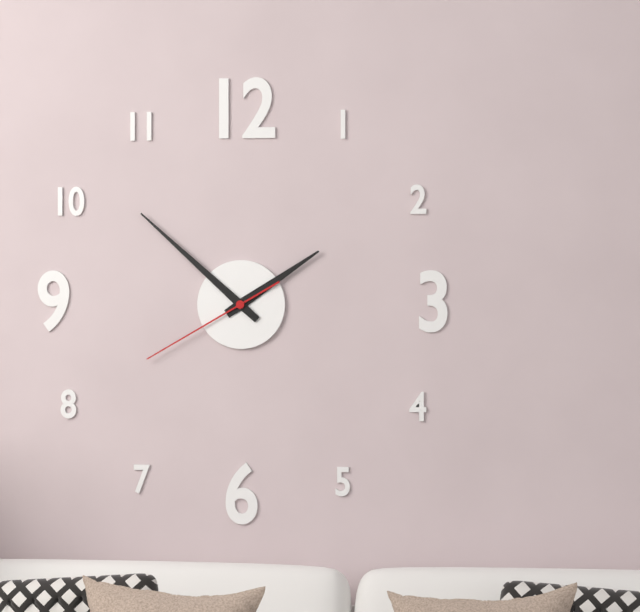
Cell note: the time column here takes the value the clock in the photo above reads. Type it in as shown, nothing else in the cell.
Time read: 1:52:40
